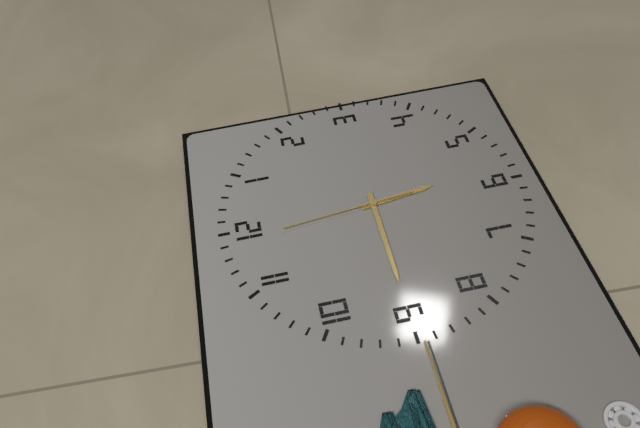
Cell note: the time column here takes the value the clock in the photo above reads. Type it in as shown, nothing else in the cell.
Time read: 5:45:59
